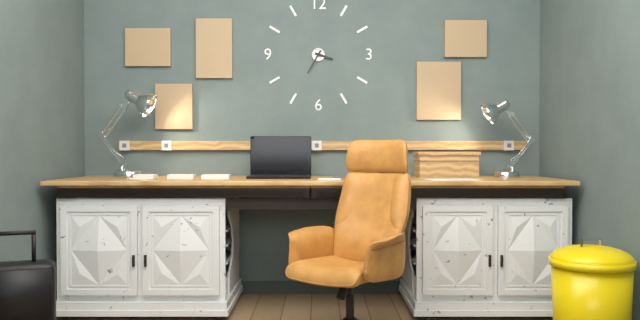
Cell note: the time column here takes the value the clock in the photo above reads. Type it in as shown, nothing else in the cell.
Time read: 3:35
